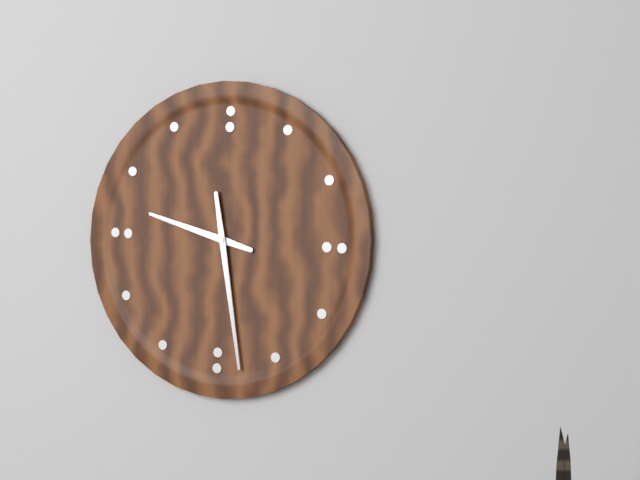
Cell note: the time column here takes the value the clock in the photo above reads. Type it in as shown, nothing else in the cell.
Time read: 9:28
